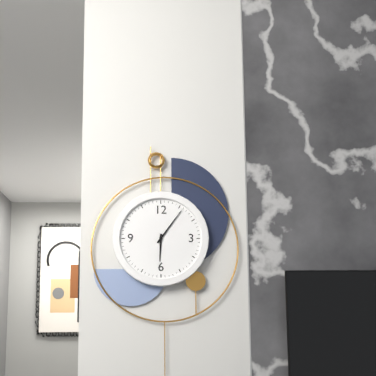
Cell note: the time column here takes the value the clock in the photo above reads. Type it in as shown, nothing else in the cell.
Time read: 6:06
